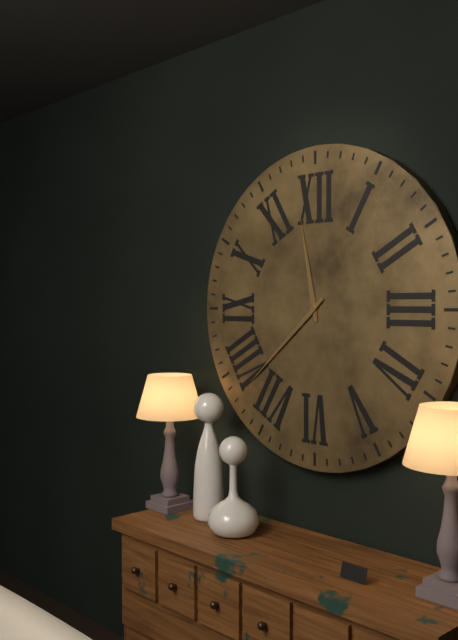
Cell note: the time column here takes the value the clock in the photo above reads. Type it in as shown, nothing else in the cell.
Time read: 11:38
